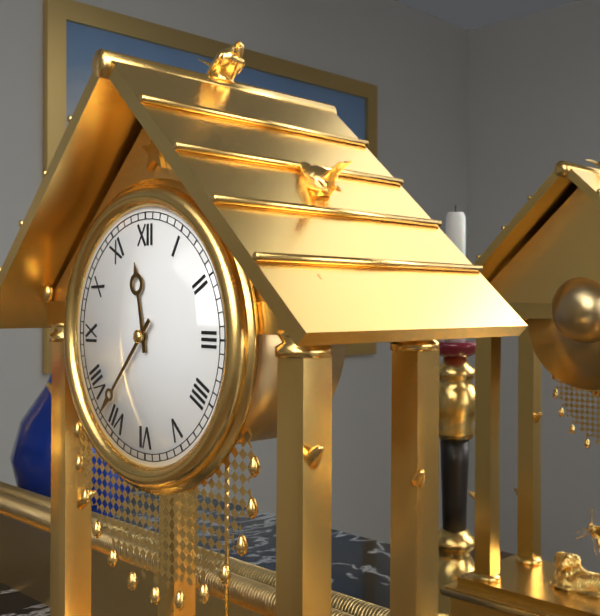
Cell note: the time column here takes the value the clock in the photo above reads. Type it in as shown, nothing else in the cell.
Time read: 11:37
